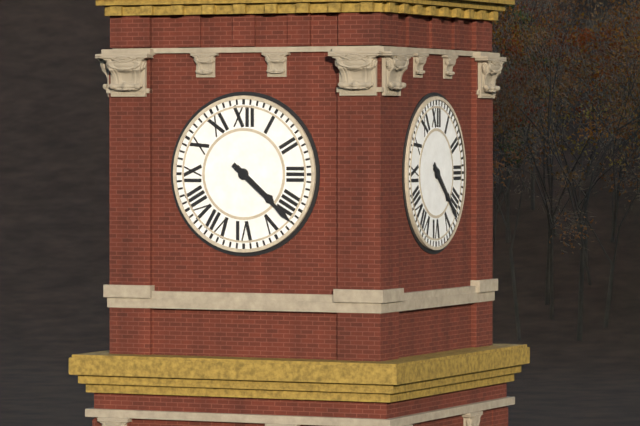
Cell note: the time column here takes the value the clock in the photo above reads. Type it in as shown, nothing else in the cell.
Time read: 4:22
